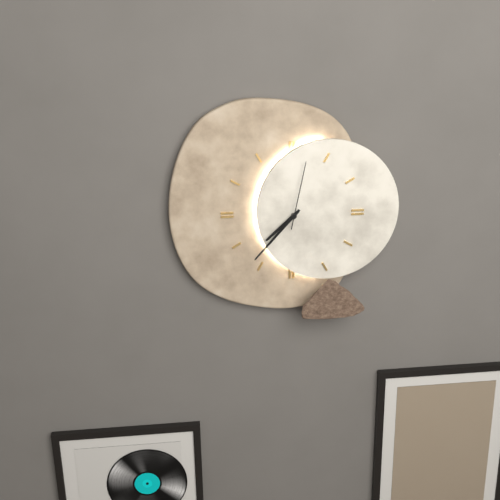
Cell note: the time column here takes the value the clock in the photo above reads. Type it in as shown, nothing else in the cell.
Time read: 7:37:02
